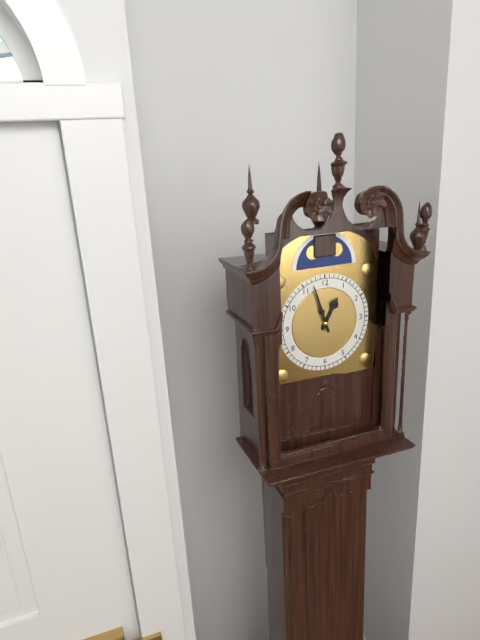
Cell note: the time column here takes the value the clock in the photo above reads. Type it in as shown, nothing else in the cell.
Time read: 12:57
